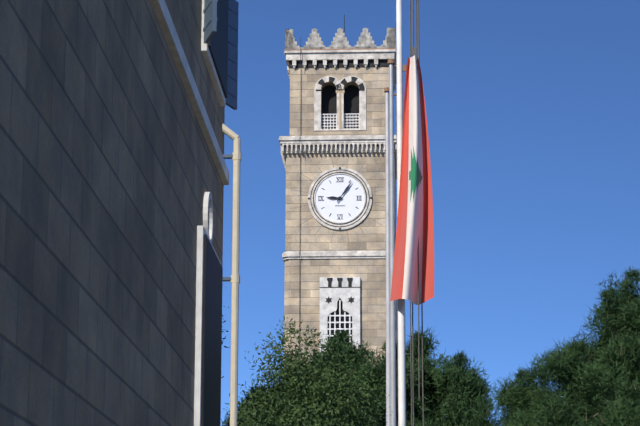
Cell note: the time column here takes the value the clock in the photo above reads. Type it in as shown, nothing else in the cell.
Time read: 9:06
